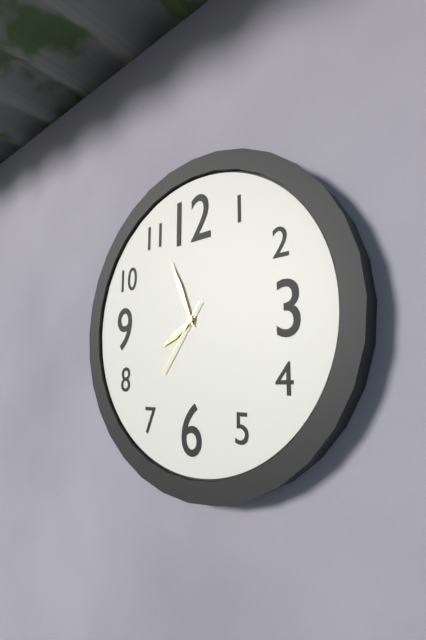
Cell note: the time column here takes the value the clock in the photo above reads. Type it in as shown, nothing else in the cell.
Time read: 7:56:36
